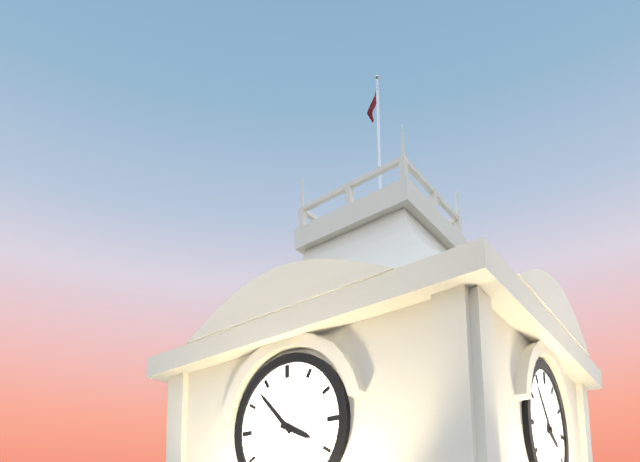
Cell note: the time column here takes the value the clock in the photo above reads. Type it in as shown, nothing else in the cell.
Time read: 3:53
